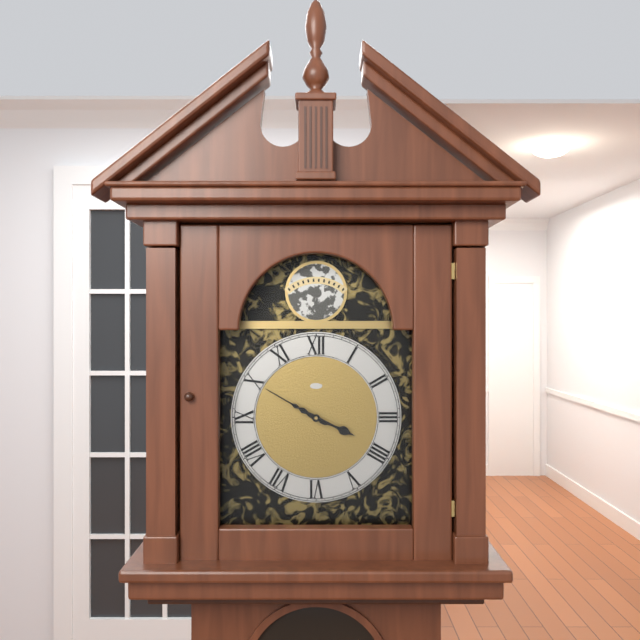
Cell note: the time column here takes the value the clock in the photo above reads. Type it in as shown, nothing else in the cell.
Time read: 3:50
